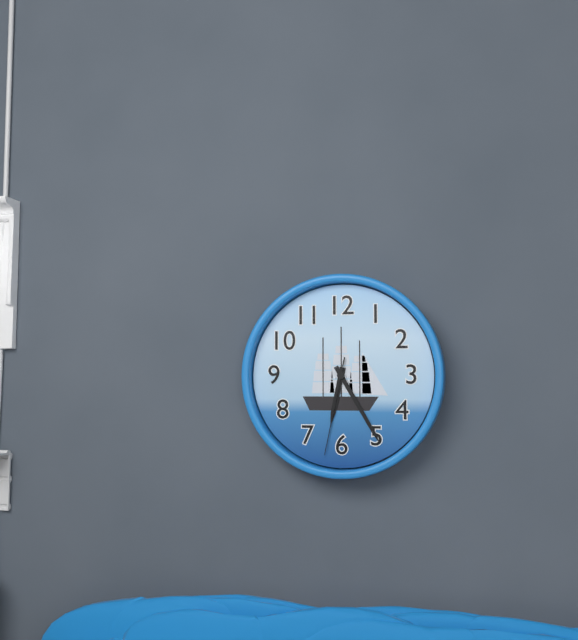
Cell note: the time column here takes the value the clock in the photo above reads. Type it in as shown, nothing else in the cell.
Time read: 6:25:32
